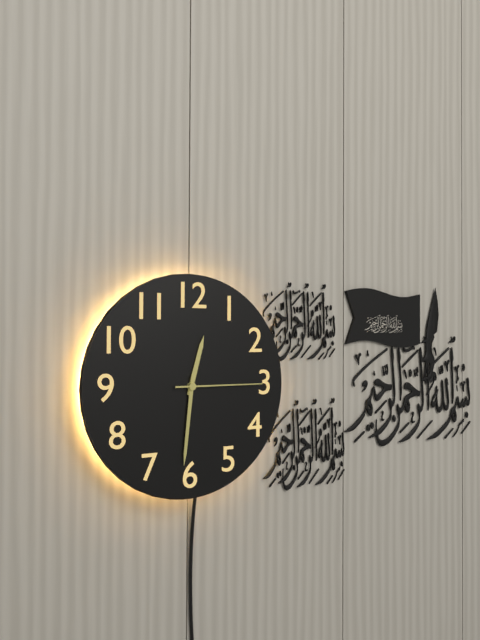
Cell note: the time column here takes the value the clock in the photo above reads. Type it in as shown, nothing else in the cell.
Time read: 12:31:15
